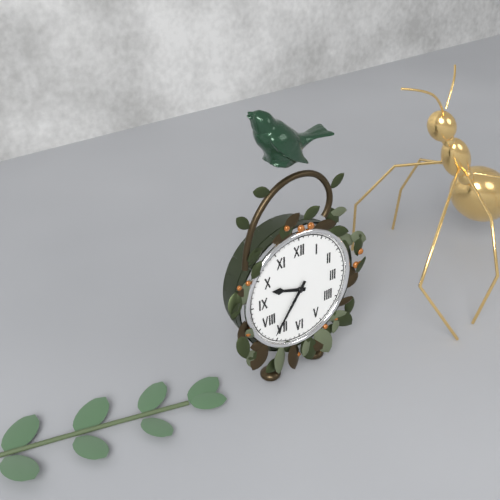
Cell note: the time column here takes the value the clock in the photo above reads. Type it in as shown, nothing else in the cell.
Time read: 9:36
